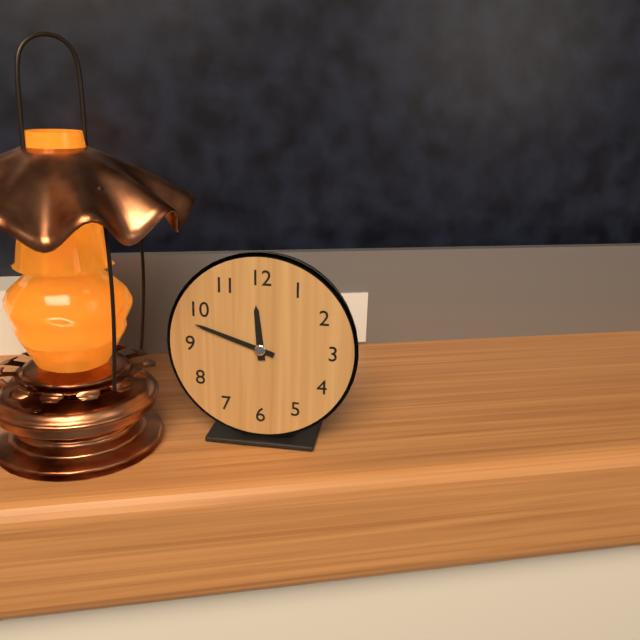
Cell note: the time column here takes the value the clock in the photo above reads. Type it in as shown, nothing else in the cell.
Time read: 11:48
